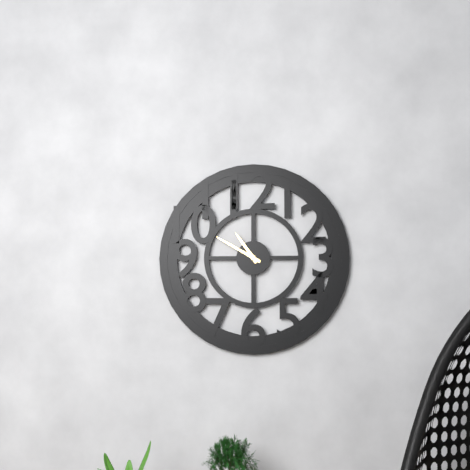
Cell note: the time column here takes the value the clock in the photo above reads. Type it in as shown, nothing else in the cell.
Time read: 10:50
